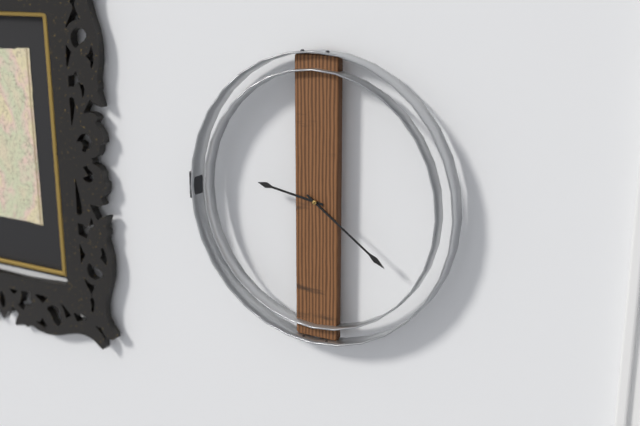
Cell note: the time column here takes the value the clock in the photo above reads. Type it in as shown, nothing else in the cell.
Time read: 9:21
